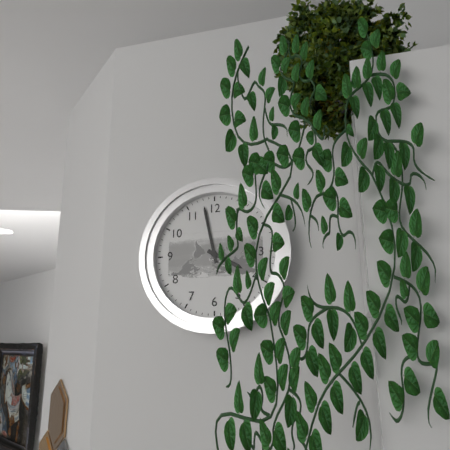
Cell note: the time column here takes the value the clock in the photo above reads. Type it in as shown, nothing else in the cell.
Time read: 3:58
